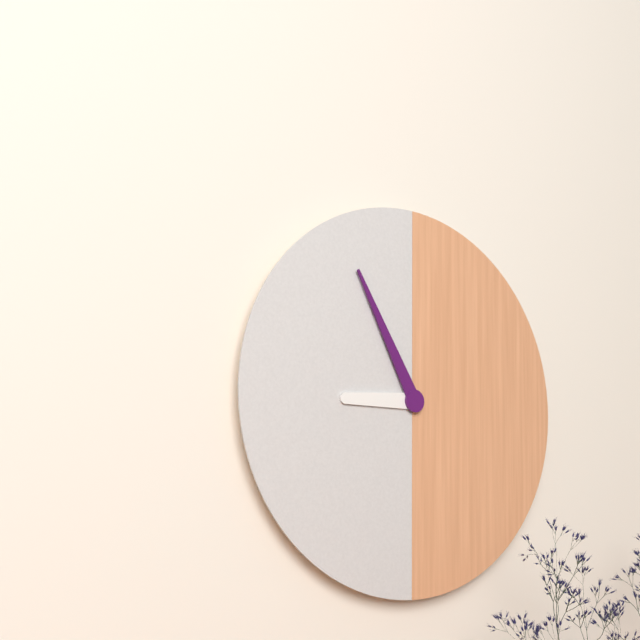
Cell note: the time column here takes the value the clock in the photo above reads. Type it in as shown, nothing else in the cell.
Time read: 8:55
